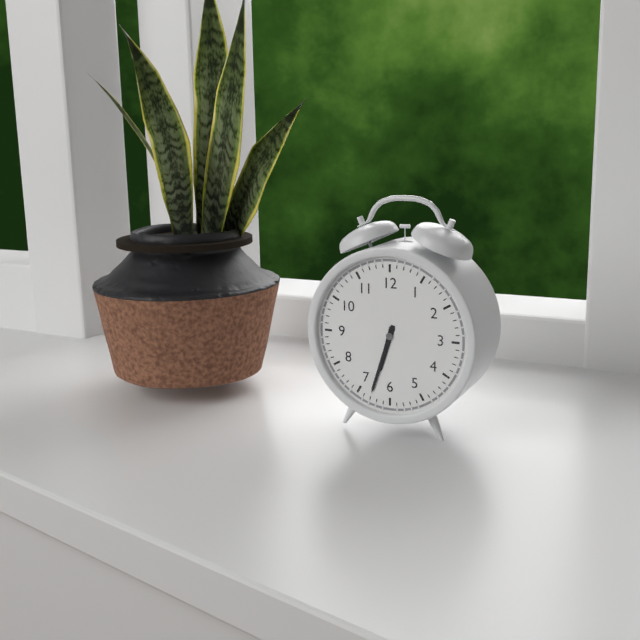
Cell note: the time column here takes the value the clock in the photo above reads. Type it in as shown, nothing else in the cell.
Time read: 6:33
